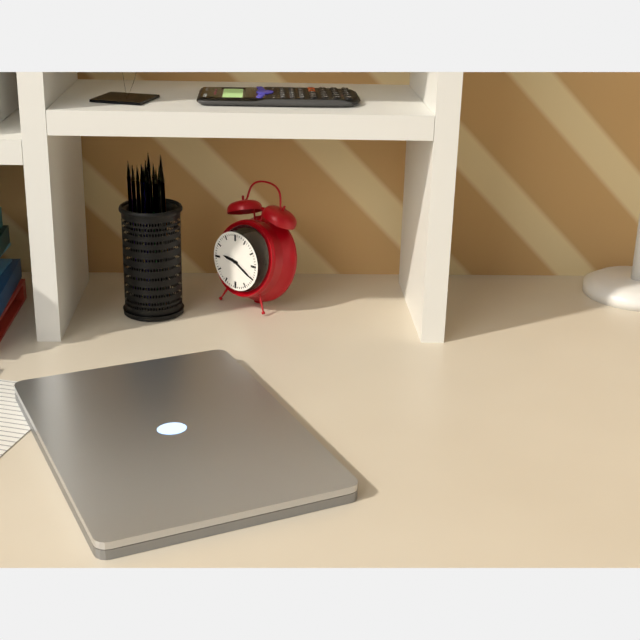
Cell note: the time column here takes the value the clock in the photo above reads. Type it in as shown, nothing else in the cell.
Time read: 9:20
